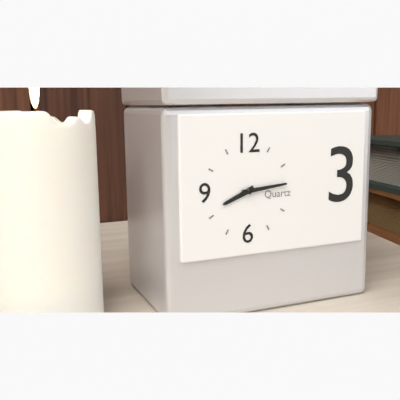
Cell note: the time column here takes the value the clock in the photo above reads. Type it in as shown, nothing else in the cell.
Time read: 8:14
